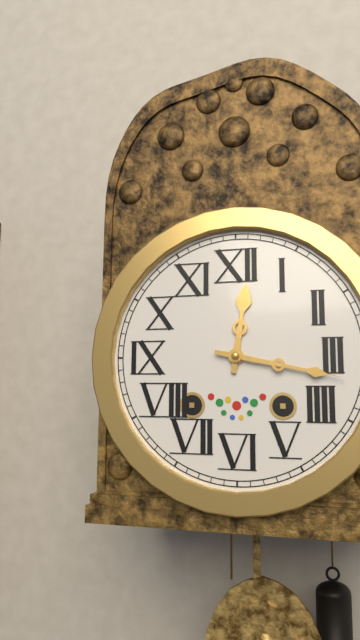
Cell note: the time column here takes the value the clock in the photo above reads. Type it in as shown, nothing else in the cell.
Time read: 12:17
